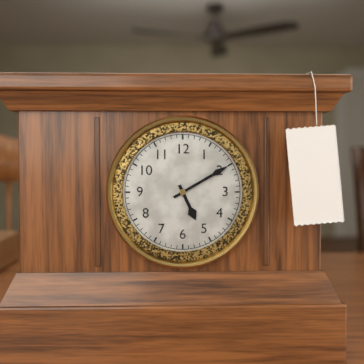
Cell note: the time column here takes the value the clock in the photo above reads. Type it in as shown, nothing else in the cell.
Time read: 5:10
